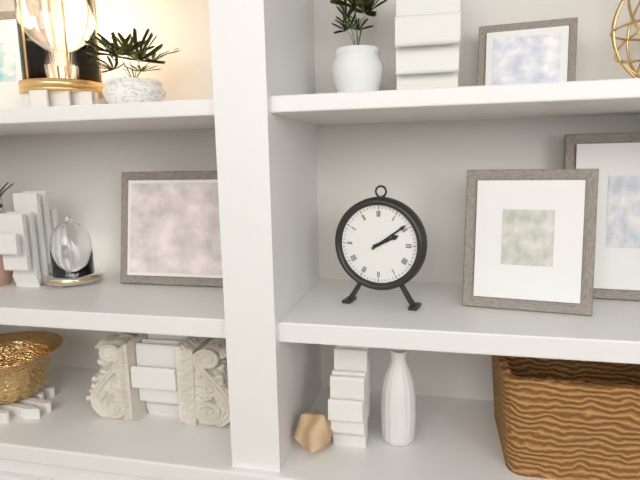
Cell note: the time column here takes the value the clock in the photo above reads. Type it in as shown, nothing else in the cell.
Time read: 2:09
